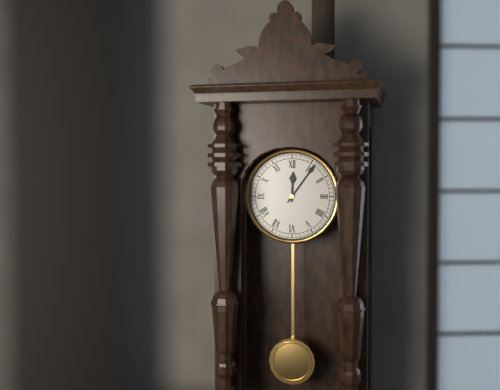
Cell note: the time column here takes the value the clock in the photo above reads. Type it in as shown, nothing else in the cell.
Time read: 12:06
